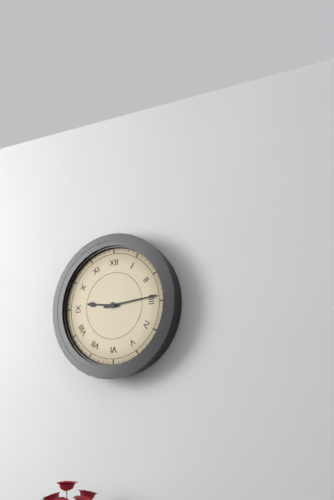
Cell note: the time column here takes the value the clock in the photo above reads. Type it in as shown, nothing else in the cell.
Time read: 9:14
